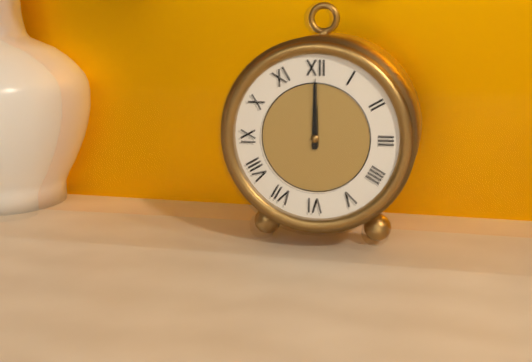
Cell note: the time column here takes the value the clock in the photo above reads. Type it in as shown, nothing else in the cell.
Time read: 12:00
